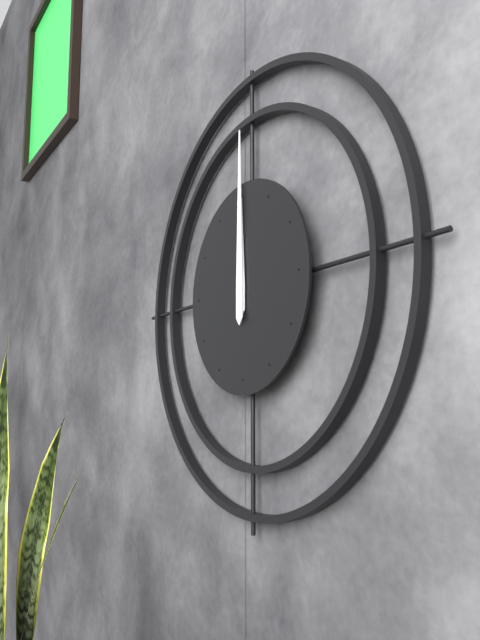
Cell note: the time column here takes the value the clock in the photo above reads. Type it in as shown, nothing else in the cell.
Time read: 12:00
